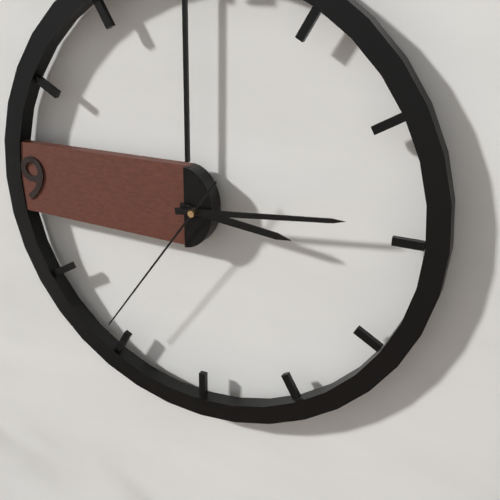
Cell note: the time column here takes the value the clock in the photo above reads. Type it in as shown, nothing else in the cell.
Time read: 3:14:36
